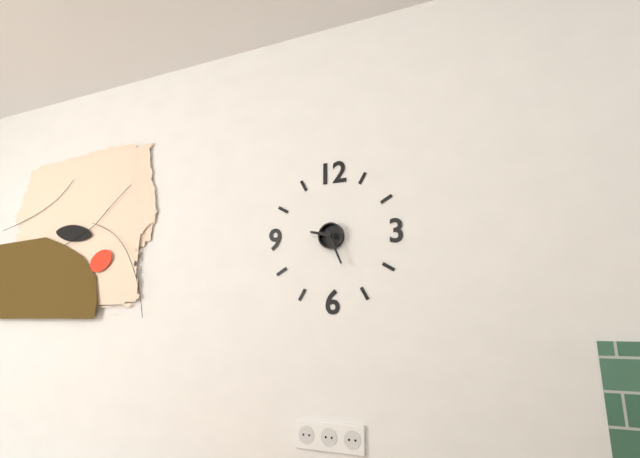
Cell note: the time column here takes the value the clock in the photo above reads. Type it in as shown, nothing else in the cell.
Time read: 9:26
